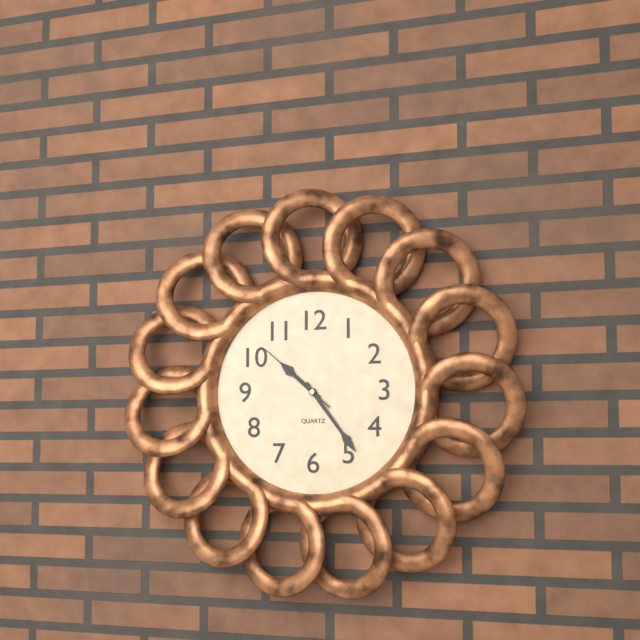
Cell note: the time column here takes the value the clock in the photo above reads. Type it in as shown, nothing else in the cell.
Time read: 10:24:52
